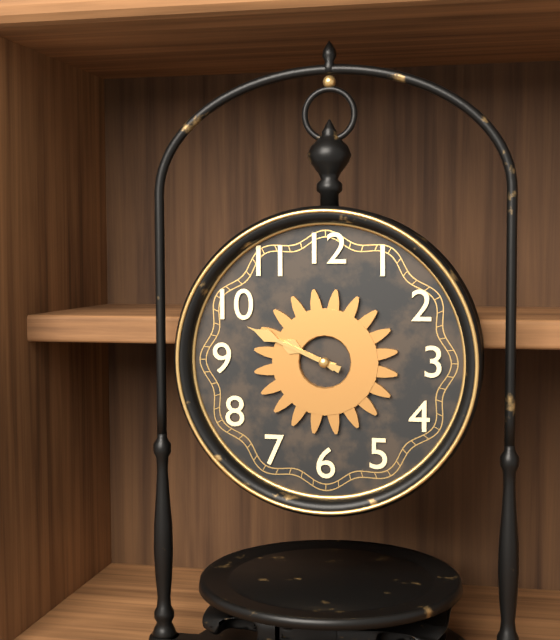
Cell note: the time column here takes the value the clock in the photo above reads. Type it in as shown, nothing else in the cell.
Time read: 9:49
